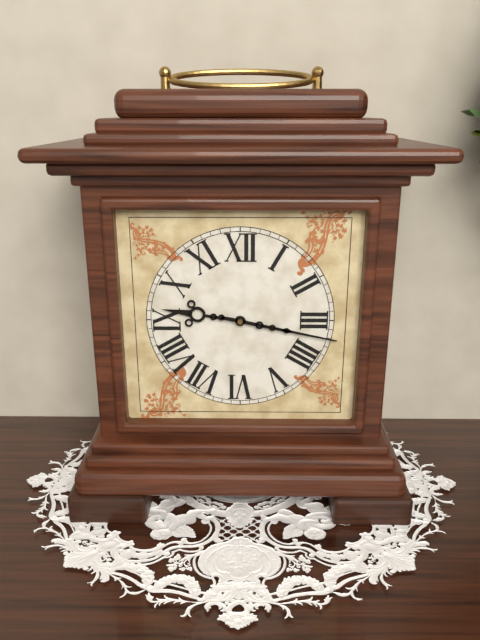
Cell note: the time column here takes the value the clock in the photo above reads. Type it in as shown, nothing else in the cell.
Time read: 9:17
